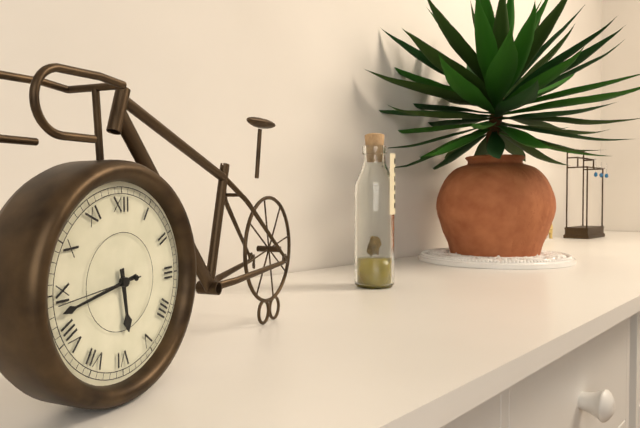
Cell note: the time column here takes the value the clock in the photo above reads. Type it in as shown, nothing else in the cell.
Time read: 5:43:44
